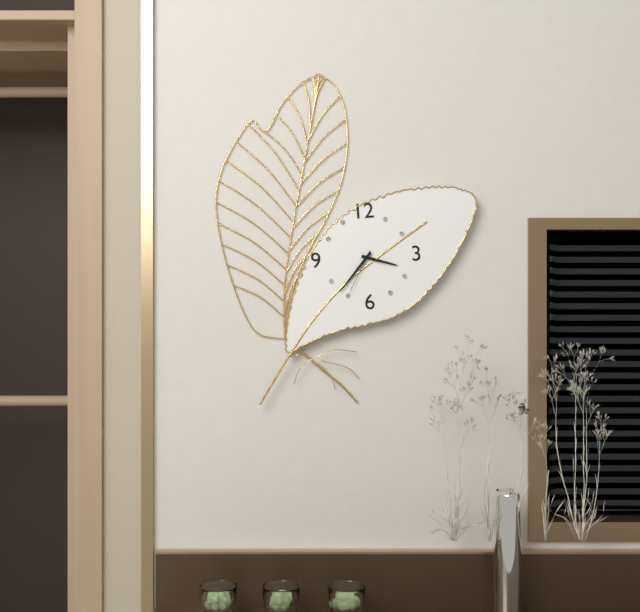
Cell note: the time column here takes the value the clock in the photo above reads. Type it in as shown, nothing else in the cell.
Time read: 3:37:35
